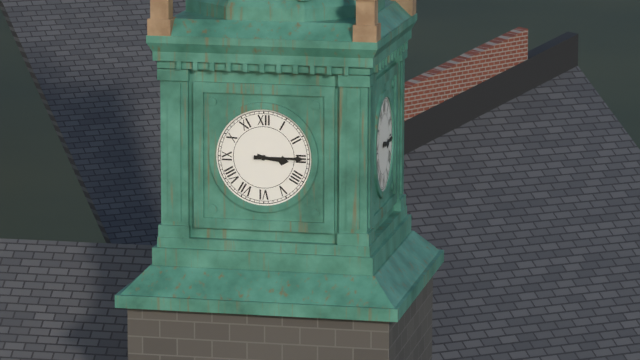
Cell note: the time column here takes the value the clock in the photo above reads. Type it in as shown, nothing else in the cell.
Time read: 3:15
